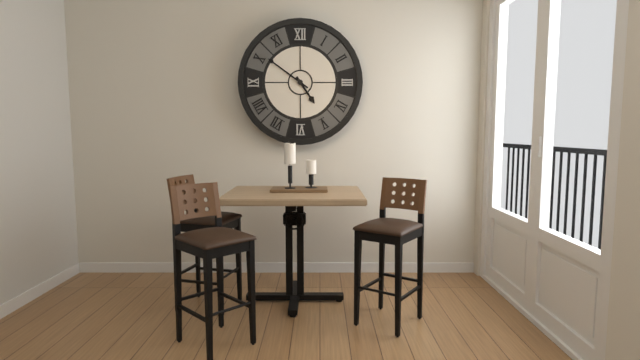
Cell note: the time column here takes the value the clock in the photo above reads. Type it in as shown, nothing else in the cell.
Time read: 4:51
